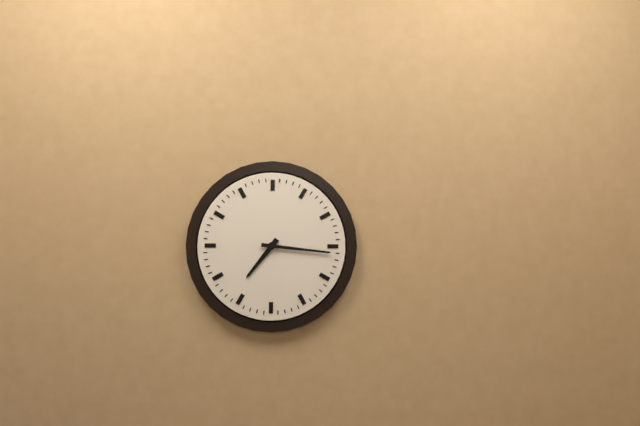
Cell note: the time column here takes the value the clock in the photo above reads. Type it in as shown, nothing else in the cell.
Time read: 7:16
